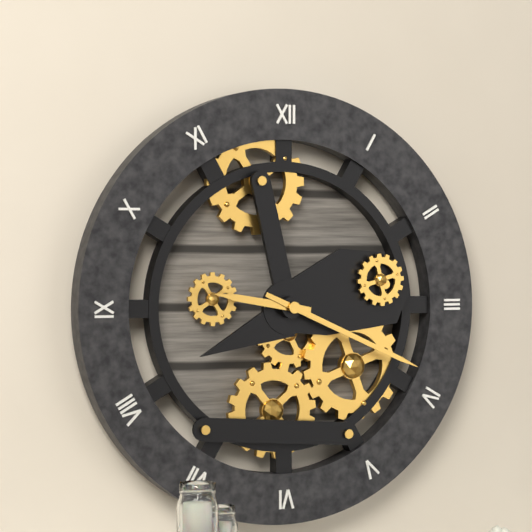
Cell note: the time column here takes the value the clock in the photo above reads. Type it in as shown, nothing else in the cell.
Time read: 9:19
